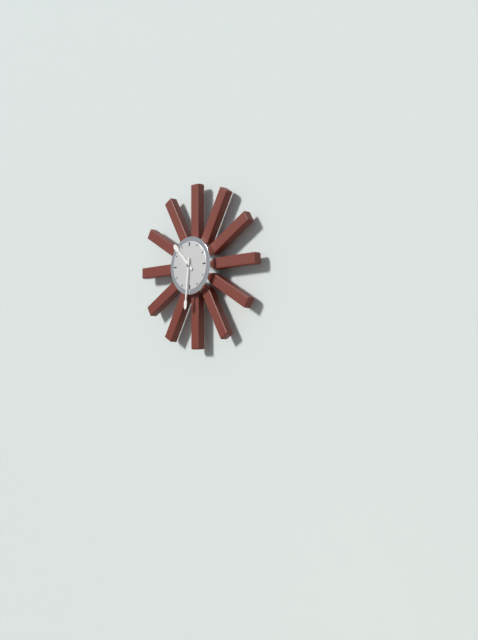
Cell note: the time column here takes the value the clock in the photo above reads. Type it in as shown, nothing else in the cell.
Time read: 10:31
